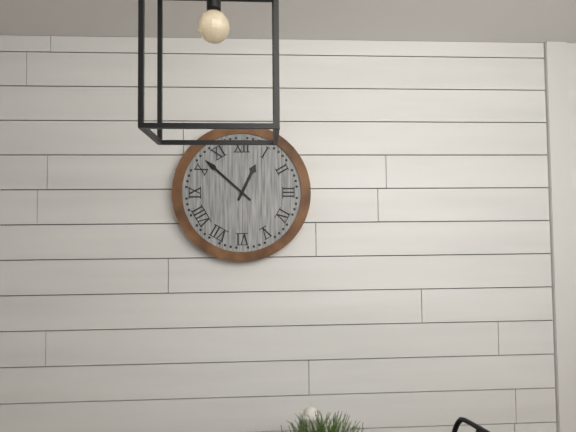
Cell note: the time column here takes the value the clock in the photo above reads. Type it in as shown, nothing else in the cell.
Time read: 12:52
